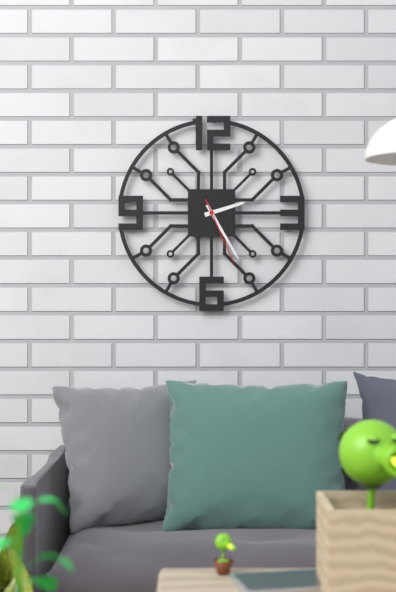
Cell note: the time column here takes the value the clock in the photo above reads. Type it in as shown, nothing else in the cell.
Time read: 2:25:26
